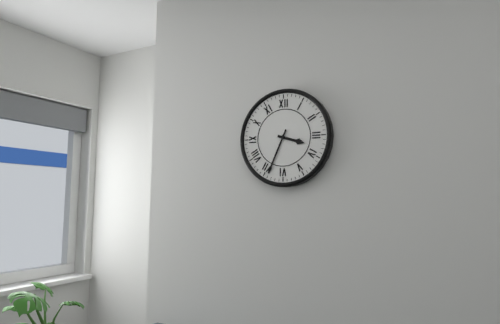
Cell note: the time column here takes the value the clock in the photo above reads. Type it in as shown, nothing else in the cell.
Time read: 3:34
